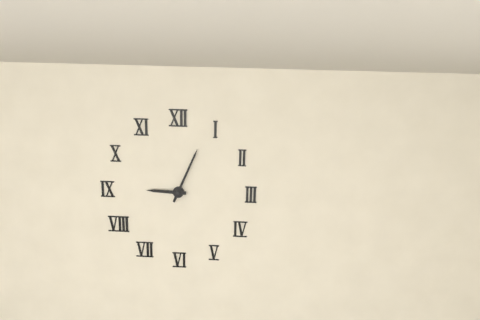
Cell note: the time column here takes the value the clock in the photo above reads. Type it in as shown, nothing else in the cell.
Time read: 9:04
